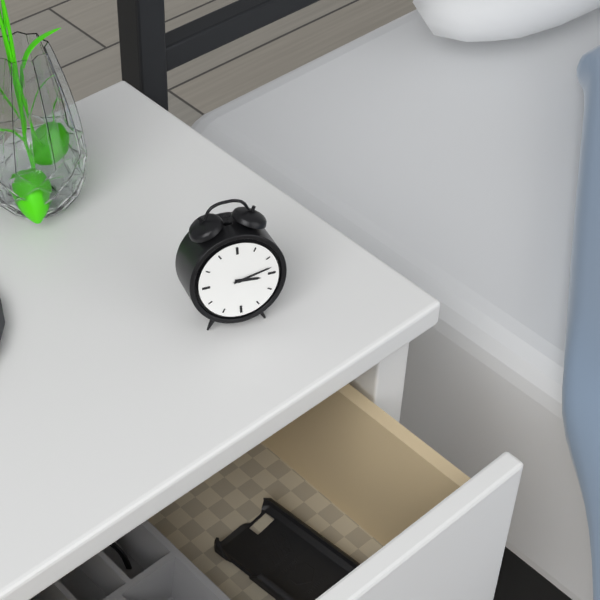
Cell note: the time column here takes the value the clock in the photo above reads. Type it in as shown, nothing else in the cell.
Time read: 3:13
